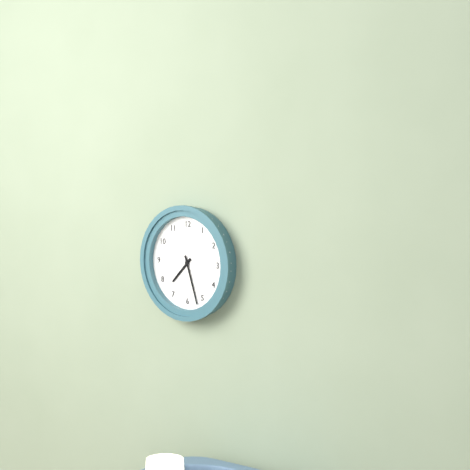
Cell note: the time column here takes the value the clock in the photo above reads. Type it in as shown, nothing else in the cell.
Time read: 7:27
